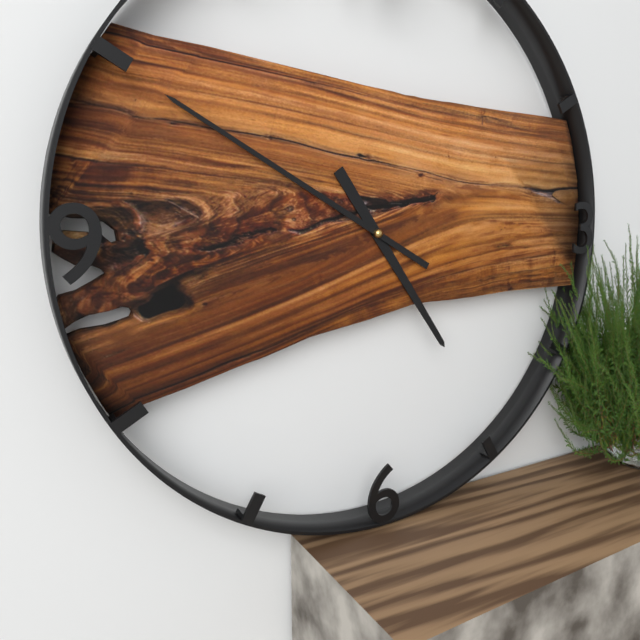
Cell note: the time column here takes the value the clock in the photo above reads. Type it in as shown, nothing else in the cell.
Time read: 4:50
